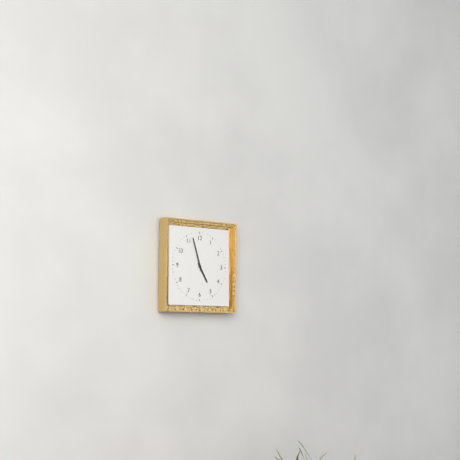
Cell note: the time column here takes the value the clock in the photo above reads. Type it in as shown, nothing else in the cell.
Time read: 4:57
